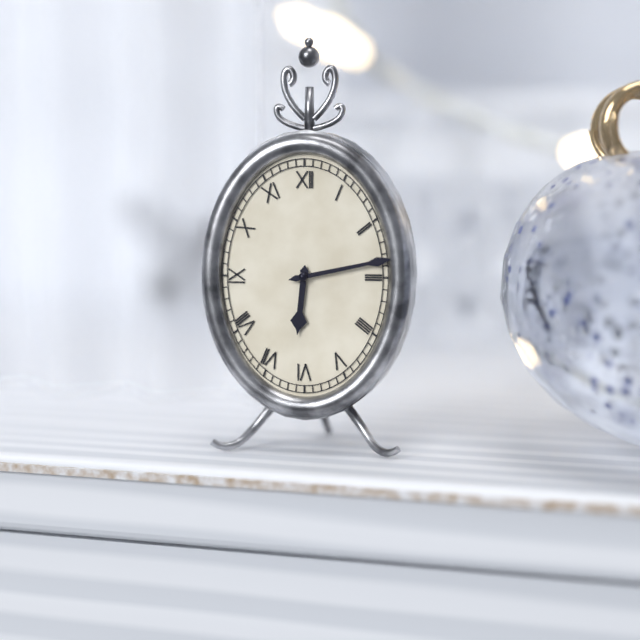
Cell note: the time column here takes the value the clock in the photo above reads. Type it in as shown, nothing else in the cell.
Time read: 6:13
